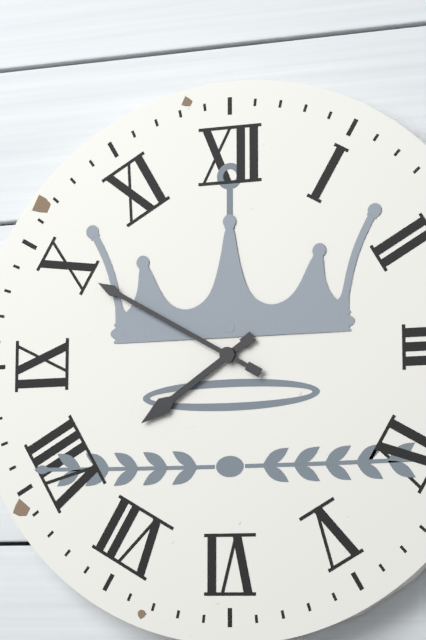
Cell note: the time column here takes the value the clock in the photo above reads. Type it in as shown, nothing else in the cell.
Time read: 7:50
